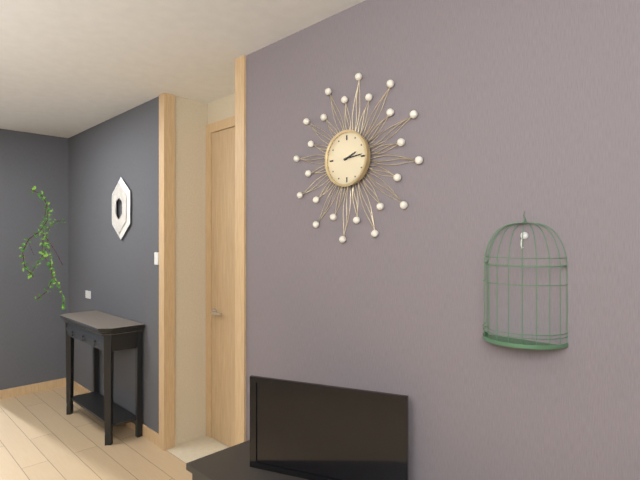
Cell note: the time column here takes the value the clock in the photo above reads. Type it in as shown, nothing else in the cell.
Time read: 2:14
